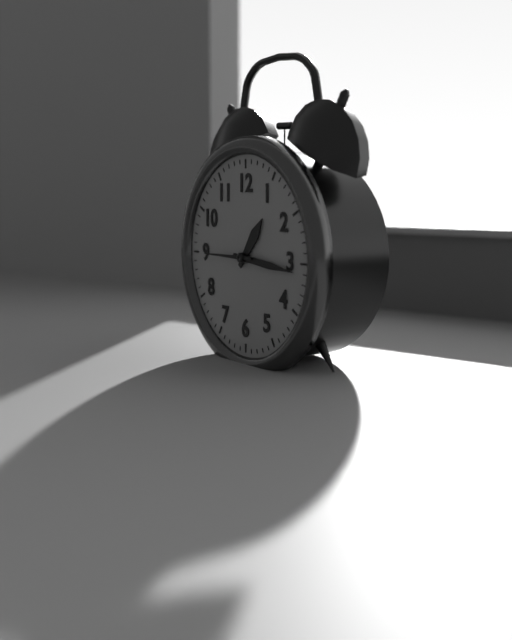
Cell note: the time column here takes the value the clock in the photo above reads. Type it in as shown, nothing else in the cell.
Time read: 1:16
